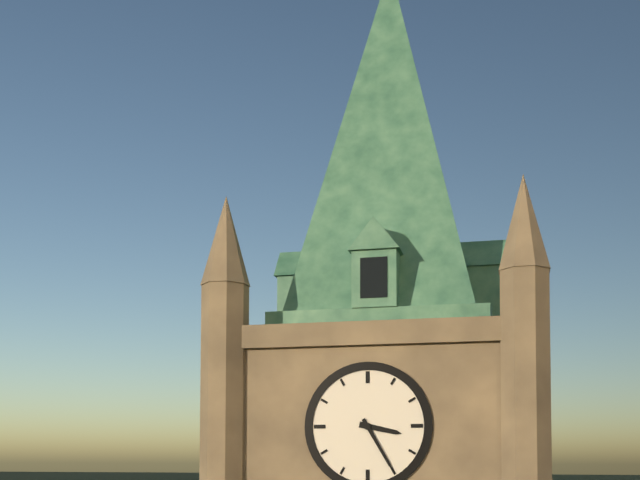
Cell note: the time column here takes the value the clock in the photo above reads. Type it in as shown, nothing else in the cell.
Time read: 3:25
